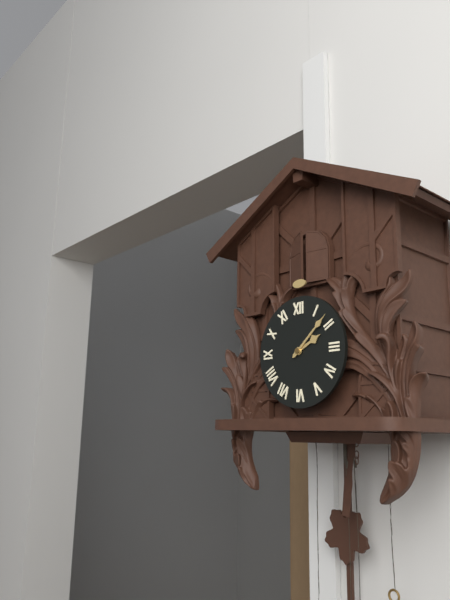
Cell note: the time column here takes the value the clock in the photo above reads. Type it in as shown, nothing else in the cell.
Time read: 2:08
